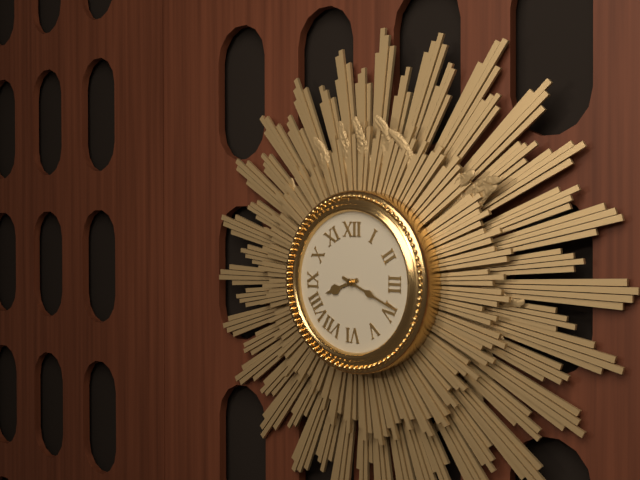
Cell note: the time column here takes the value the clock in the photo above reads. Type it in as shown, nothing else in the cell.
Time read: 8:19
